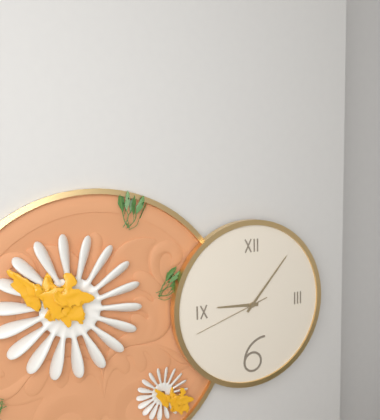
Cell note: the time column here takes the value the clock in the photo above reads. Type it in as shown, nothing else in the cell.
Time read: 9:07:42
